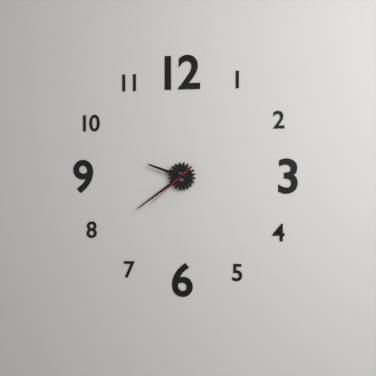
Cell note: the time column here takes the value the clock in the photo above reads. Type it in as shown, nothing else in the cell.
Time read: 9:39:38
